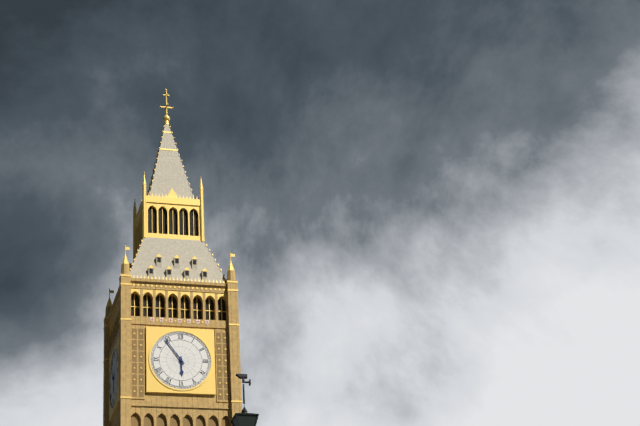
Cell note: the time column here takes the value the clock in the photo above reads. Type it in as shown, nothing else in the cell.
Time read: 5:54
